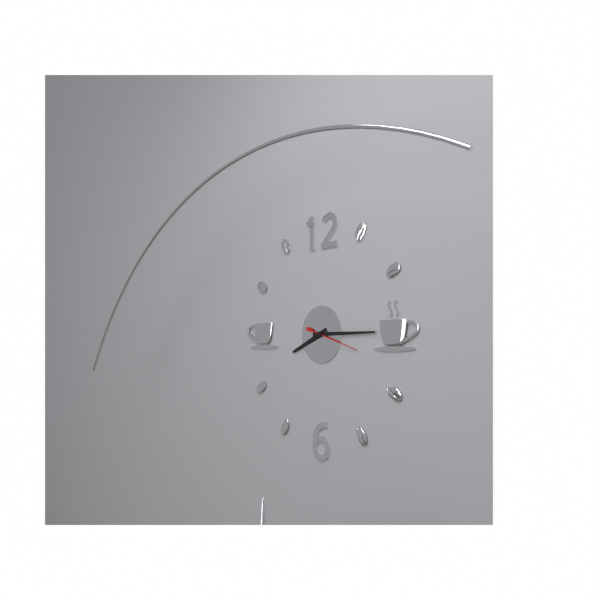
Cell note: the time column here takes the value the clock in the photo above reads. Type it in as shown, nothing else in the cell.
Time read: 8:15
